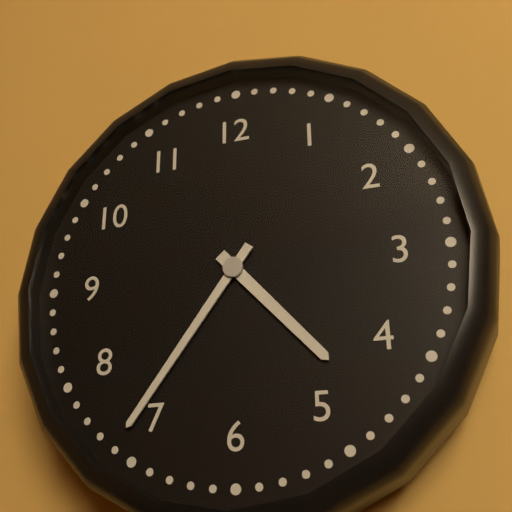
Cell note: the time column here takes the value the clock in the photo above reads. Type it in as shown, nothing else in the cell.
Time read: 4:36
